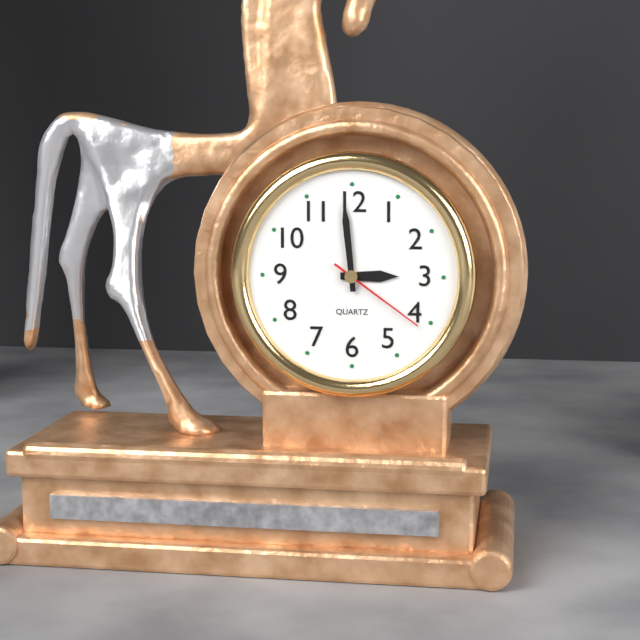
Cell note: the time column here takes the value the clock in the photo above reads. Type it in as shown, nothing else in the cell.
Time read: 2:59:21
